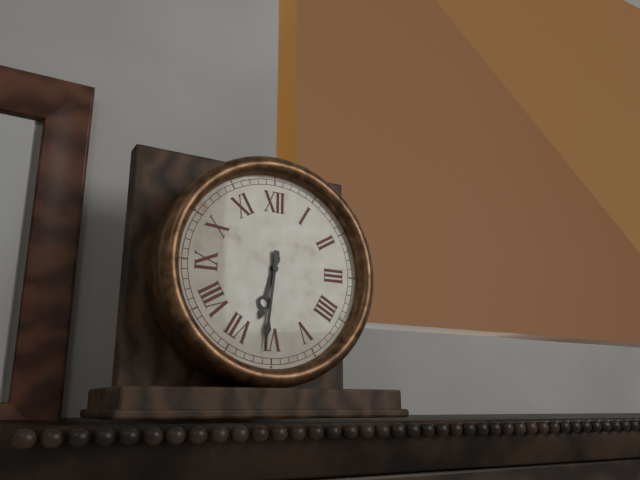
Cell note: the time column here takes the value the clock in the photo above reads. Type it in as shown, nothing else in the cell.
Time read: 6:31
